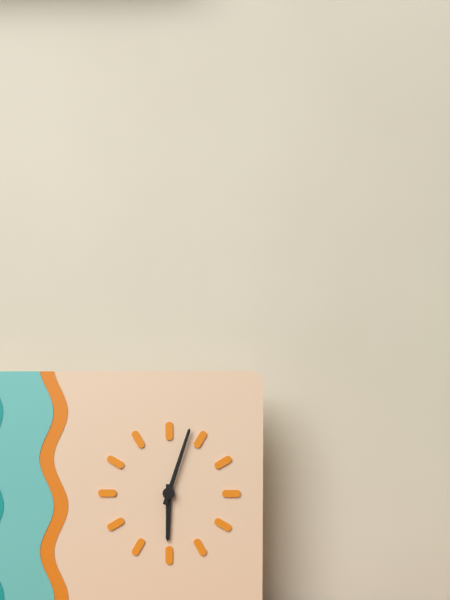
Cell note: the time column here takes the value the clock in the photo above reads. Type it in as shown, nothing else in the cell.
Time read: 6:03
